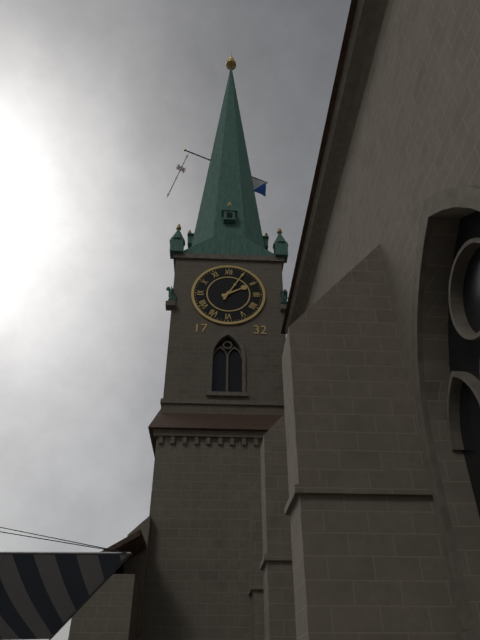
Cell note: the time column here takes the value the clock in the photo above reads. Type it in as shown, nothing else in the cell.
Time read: 2:05
